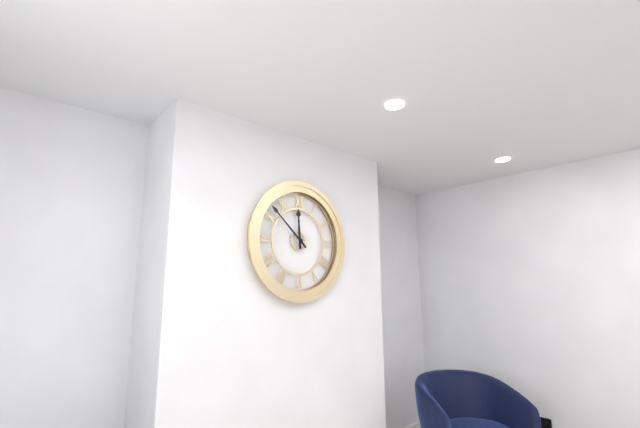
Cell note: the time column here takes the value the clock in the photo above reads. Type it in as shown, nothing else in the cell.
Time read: 11:52
